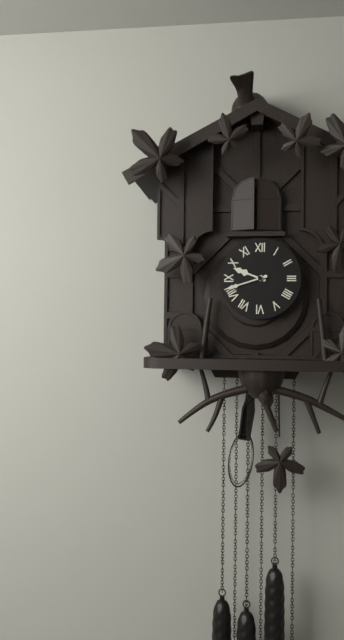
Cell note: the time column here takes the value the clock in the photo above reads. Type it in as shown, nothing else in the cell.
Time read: 9:42
